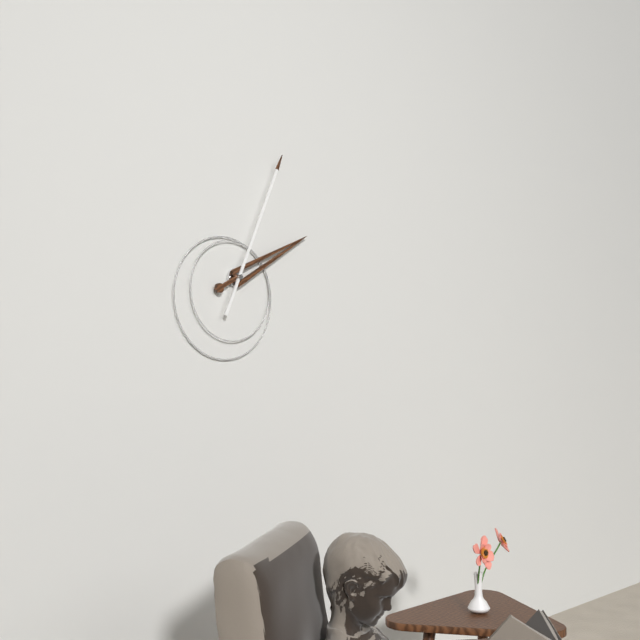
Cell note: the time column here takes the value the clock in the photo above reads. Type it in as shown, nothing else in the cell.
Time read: 2:04
